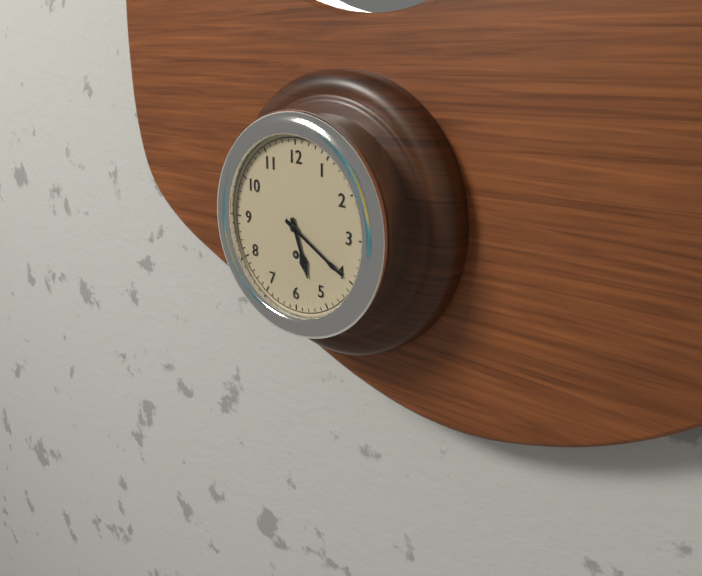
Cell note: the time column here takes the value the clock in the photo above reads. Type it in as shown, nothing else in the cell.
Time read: 5:20
